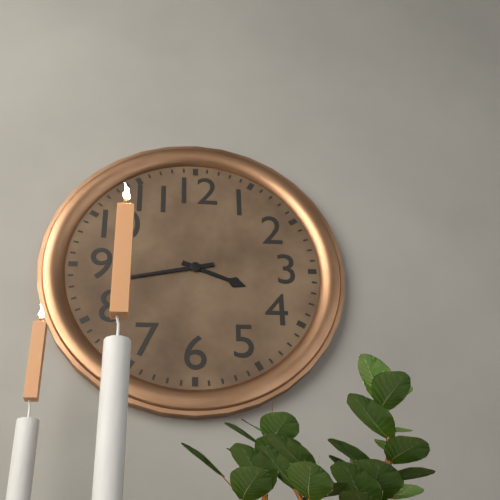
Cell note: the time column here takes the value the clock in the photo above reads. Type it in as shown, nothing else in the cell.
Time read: 3:43
